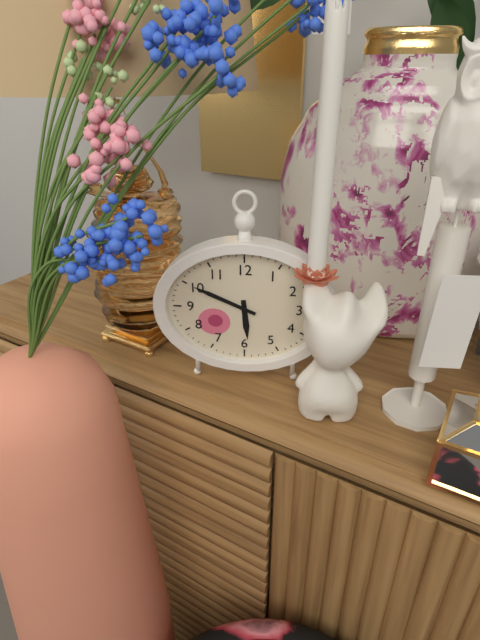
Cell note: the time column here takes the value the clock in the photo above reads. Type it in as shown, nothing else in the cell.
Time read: 5:49
